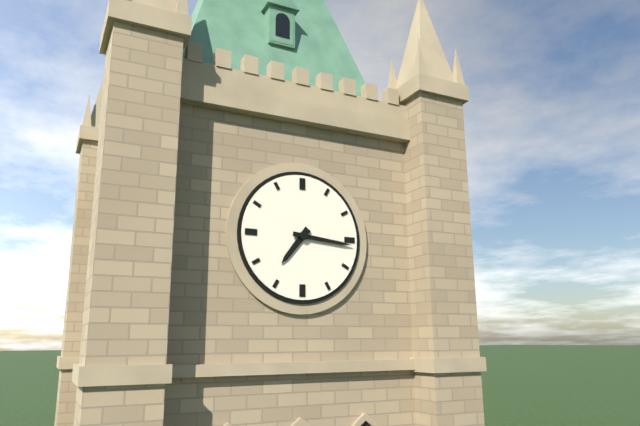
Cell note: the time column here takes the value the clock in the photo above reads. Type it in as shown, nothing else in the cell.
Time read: 7:16
